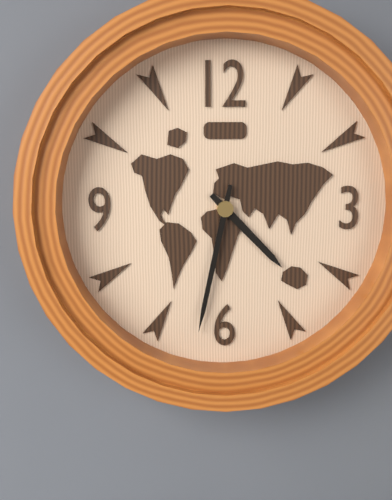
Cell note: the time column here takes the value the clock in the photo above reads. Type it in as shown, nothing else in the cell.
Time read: 4:32
